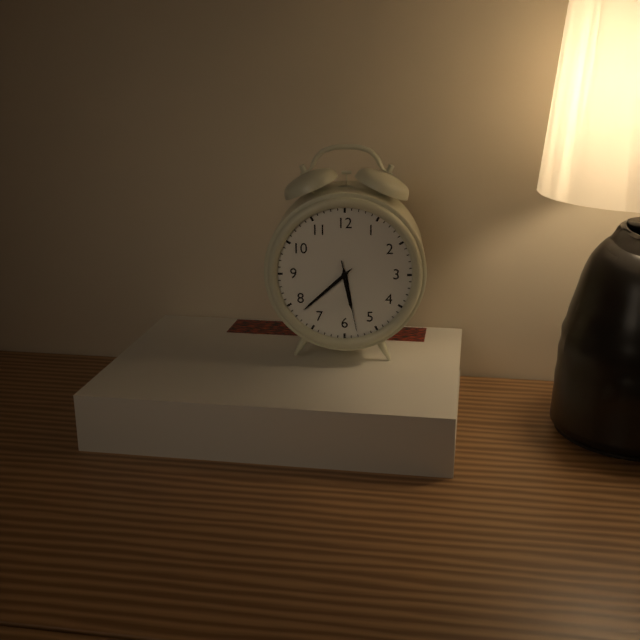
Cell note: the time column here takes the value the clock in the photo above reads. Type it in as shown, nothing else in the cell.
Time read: 5:38:28
